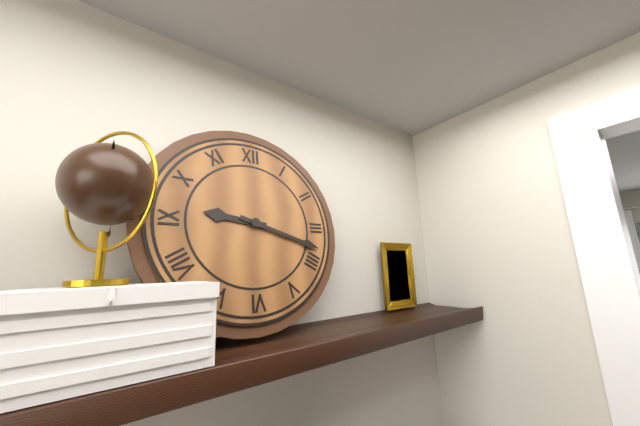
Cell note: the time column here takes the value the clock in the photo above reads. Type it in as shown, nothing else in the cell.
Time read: 9:18
